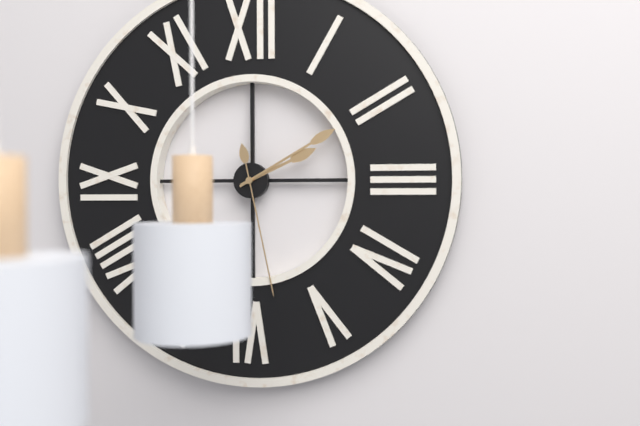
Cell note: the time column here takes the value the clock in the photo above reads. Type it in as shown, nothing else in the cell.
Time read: 2:10:28
